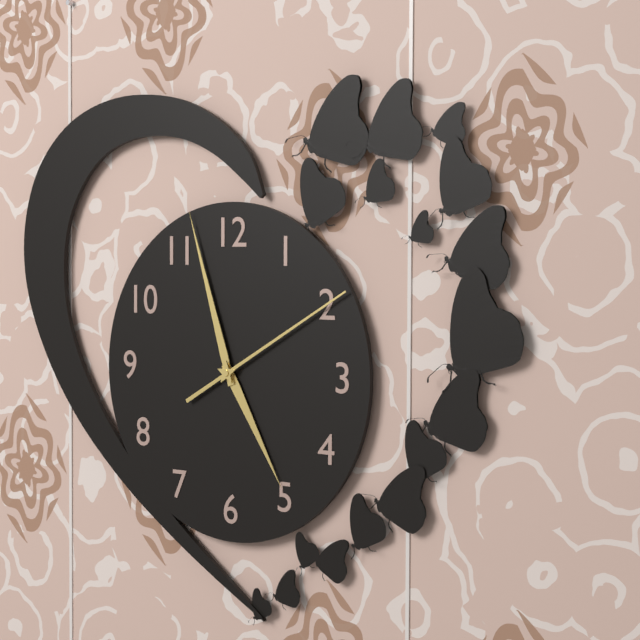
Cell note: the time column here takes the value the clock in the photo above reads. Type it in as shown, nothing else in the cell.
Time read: 4:57:10
